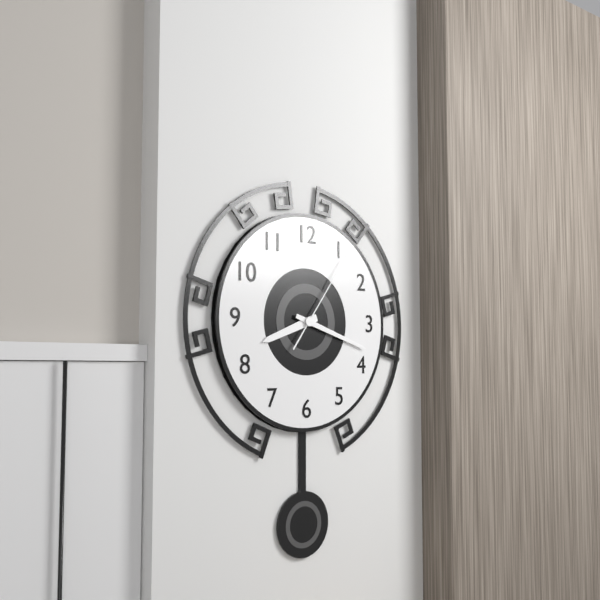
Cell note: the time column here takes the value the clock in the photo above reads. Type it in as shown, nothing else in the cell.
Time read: 8:18:06
